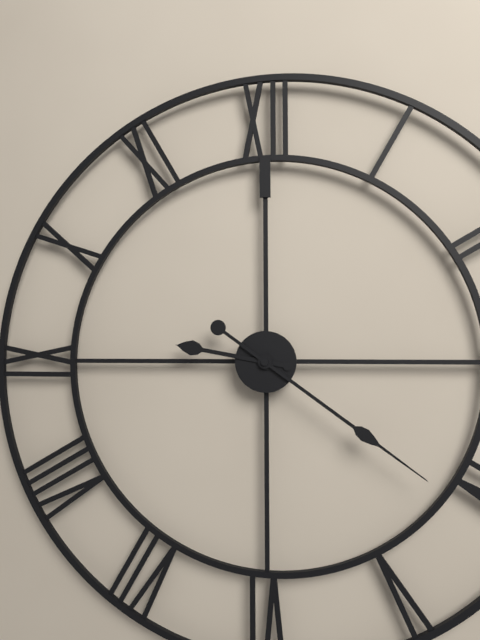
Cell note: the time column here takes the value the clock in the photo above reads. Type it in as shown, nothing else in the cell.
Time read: 9:21
